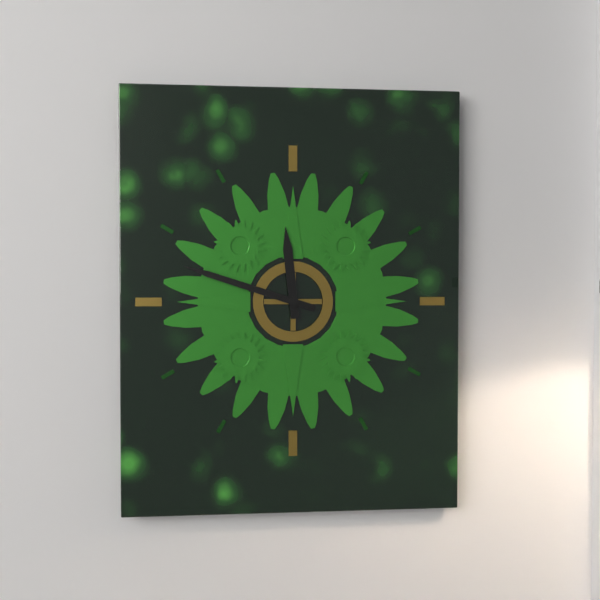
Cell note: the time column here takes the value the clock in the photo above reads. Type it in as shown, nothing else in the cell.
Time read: 11:48
